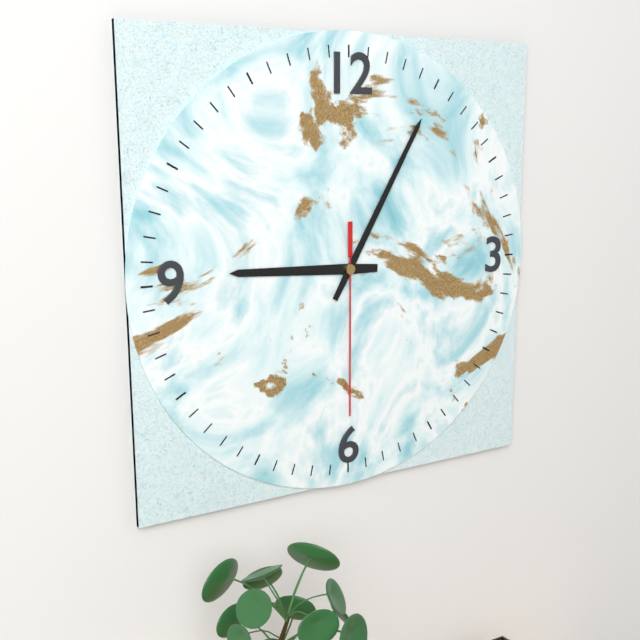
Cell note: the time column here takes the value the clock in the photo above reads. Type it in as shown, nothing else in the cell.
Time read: 9:05:30
